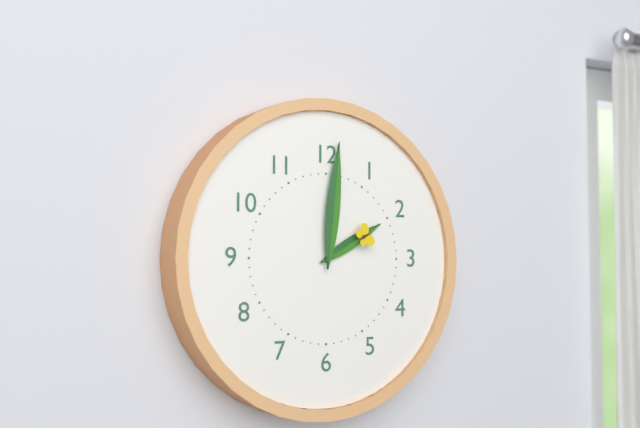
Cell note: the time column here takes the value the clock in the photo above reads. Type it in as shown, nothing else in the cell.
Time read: 2:01
